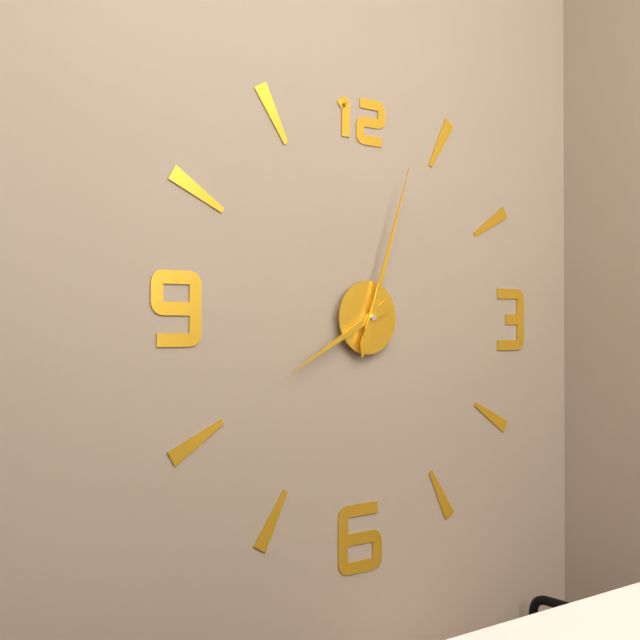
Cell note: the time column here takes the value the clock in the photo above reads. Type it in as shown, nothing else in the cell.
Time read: 8:03
